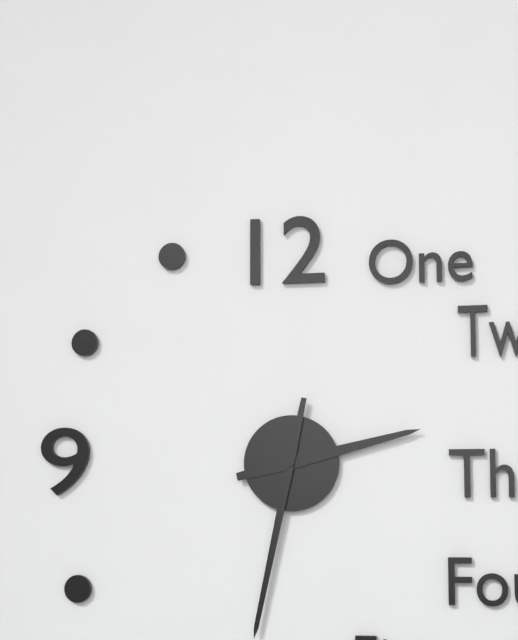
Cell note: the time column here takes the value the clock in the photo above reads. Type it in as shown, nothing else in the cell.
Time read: 2:32
